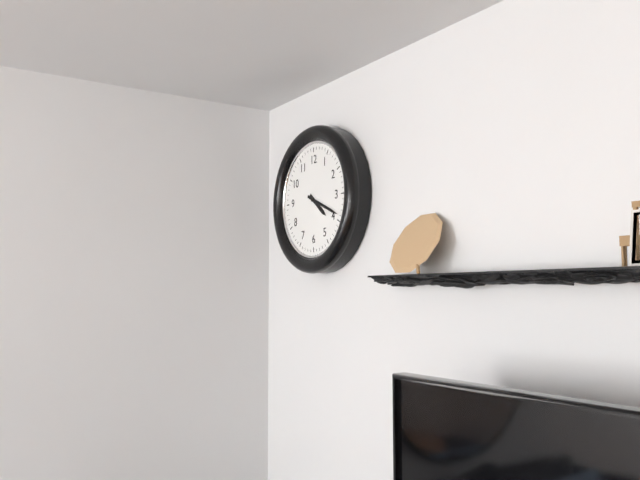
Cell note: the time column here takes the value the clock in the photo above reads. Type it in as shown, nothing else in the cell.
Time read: 4:19
